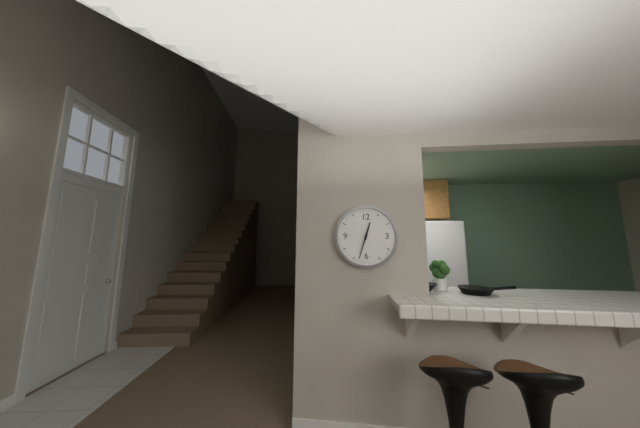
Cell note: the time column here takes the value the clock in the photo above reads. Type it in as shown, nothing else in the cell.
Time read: 12:33
